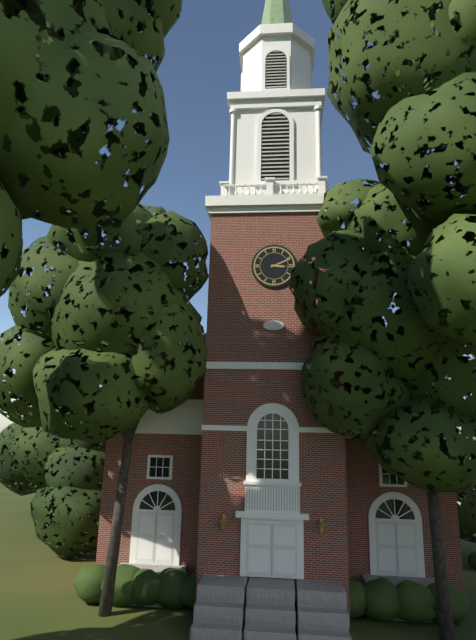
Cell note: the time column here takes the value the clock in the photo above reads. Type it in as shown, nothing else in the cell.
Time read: 3:11
